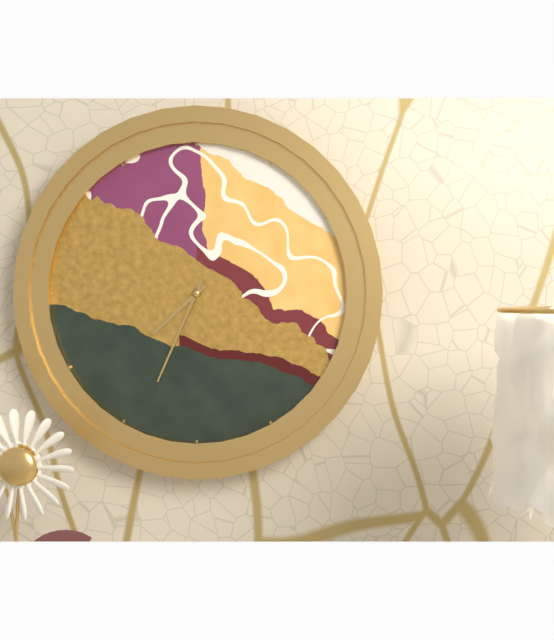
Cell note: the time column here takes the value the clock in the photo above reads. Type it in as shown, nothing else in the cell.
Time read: 7:34
